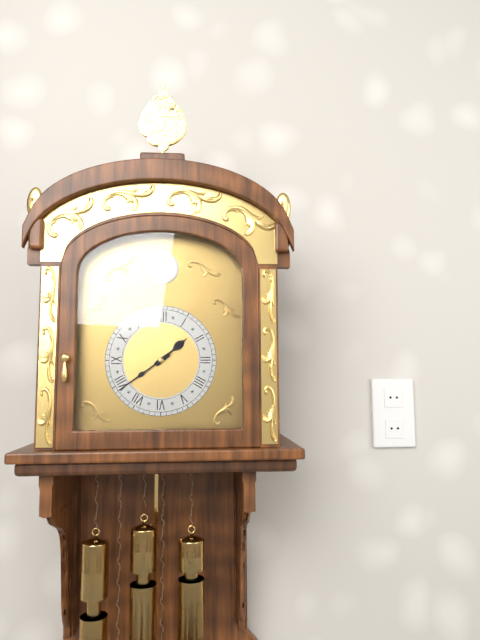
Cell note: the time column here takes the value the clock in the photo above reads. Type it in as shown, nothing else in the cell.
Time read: 1:39
